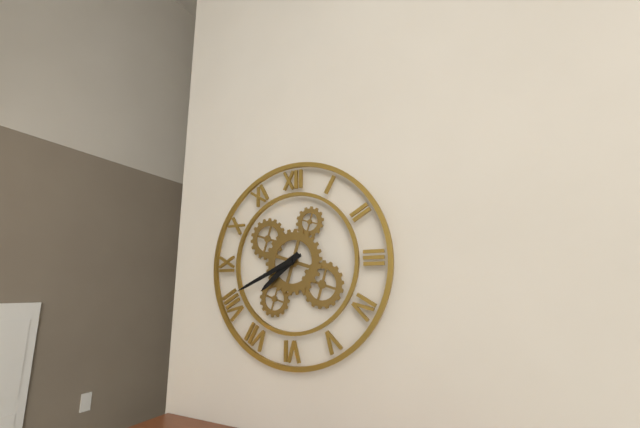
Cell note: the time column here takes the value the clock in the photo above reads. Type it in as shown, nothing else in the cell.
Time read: 7:41
